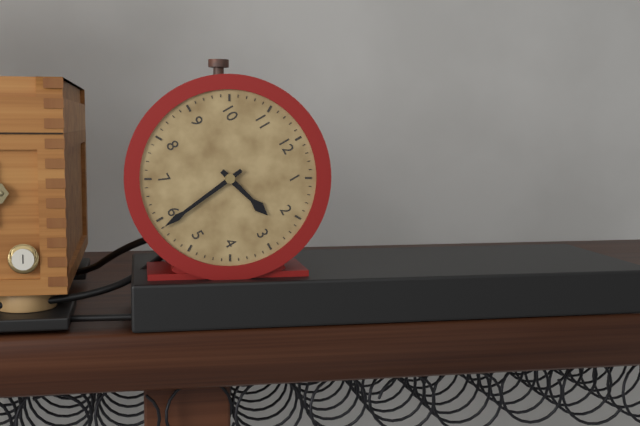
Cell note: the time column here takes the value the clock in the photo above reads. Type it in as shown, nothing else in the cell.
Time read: 2:29
